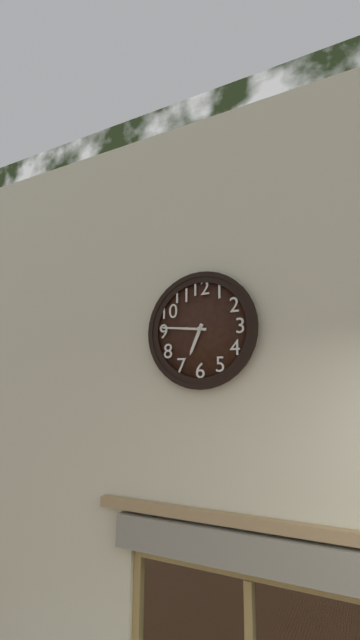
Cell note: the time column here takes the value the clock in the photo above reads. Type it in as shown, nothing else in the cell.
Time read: 6:46
